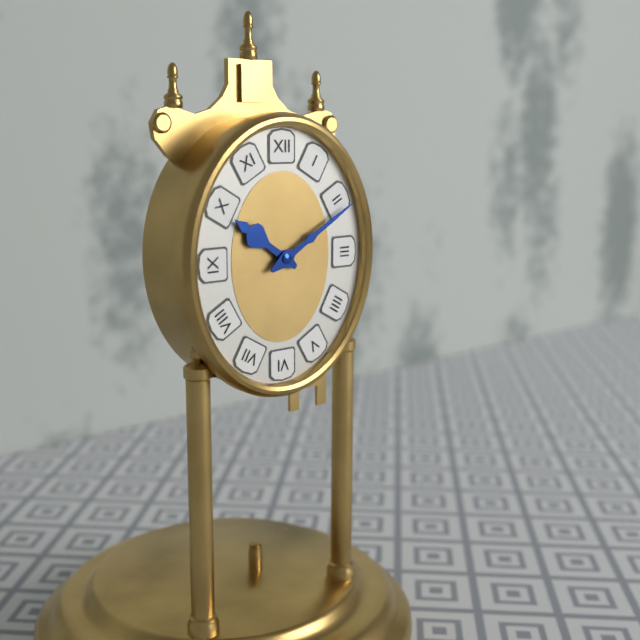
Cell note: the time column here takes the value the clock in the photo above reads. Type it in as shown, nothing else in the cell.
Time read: 10:10
